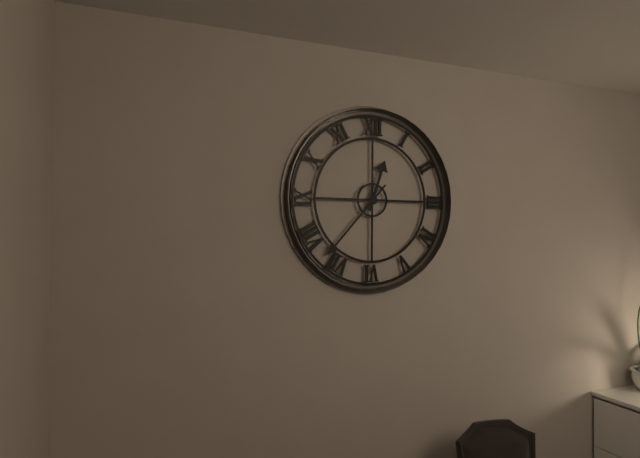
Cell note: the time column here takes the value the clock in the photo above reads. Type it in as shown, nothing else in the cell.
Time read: 12:37
